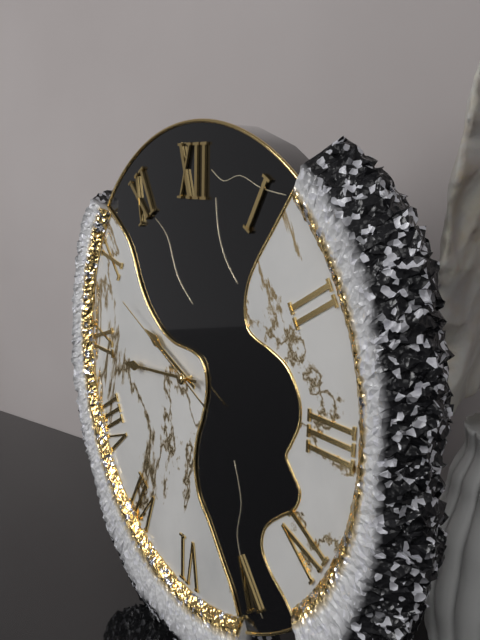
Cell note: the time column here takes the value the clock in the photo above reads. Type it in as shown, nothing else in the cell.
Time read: 9:44:49
